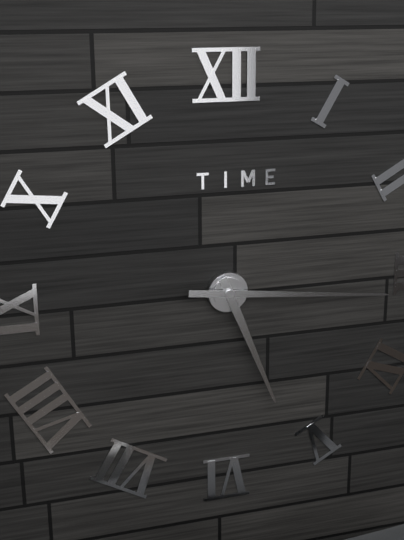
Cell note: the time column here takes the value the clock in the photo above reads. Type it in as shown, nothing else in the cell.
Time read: 5:16
